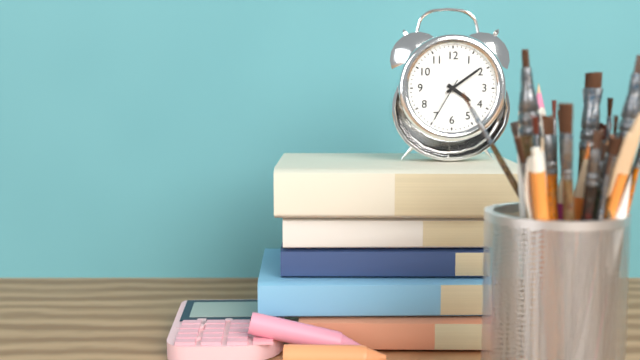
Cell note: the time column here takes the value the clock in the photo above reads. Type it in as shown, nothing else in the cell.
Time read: 4:09
